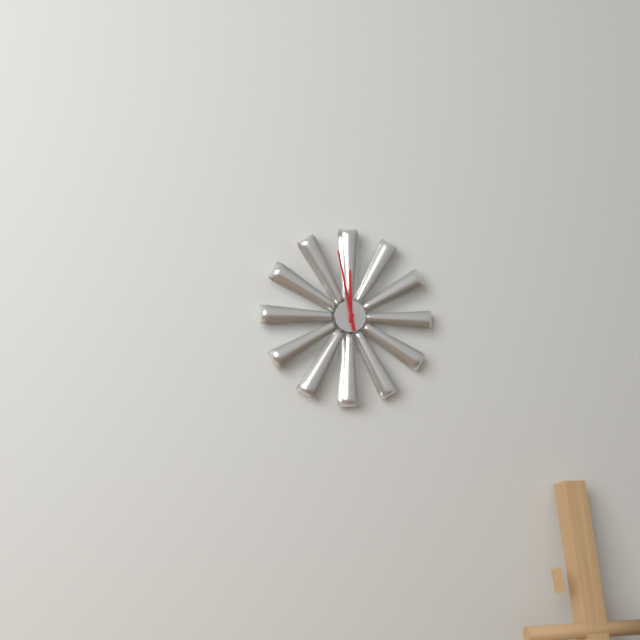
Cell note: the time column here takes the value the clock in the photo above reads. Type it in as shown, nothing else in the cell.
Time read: 11:58
